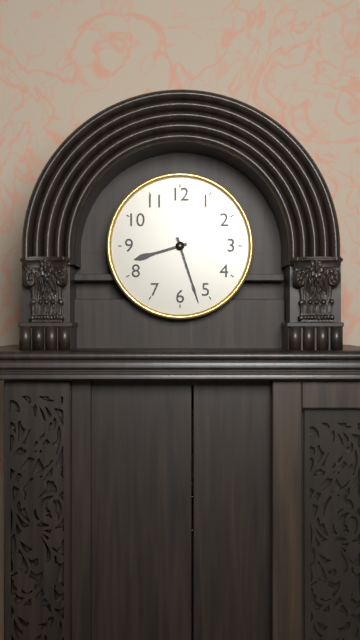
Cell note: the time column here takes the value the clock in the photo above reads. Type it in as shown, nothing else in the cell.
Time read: 8:27
